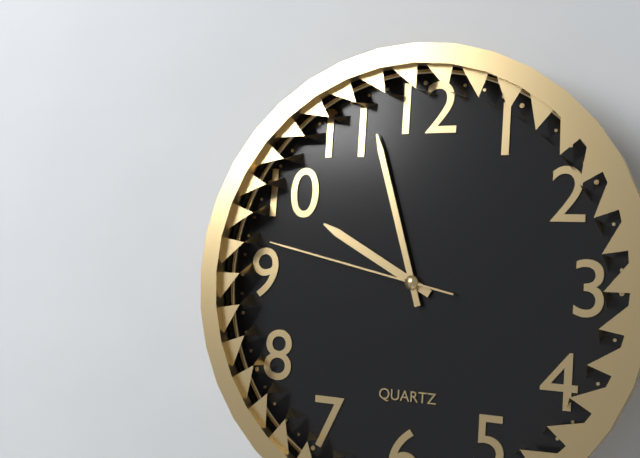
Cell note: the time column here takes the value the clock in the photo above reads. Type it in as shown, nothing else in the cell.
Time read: 9:57:47
